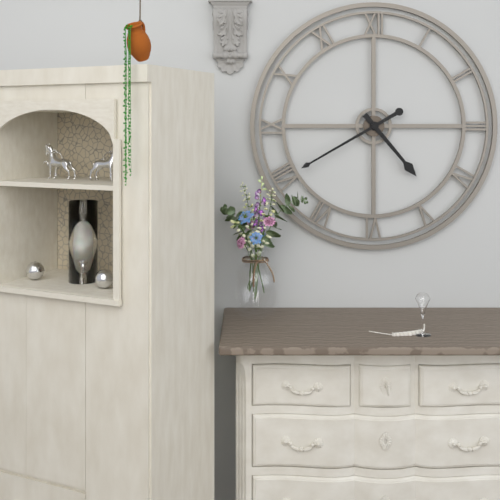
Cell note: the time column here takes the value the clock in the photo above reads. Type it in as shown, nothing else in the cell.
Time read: 4:40
